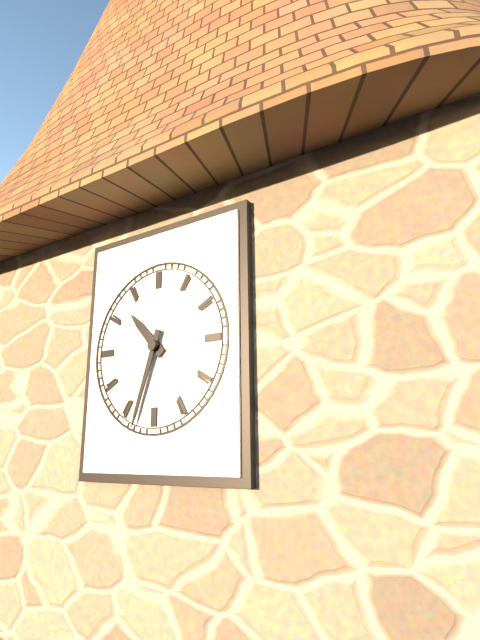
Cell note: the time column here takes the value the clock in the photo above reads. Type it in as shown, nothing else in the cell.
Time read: 10:33
